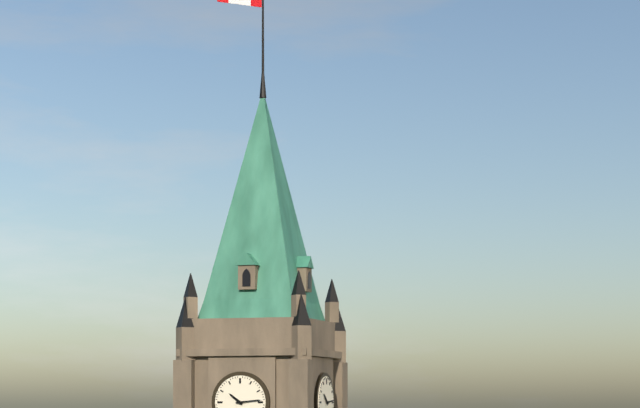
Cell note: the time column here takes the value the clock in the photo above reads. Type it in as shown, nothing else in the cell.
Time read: 10:14
